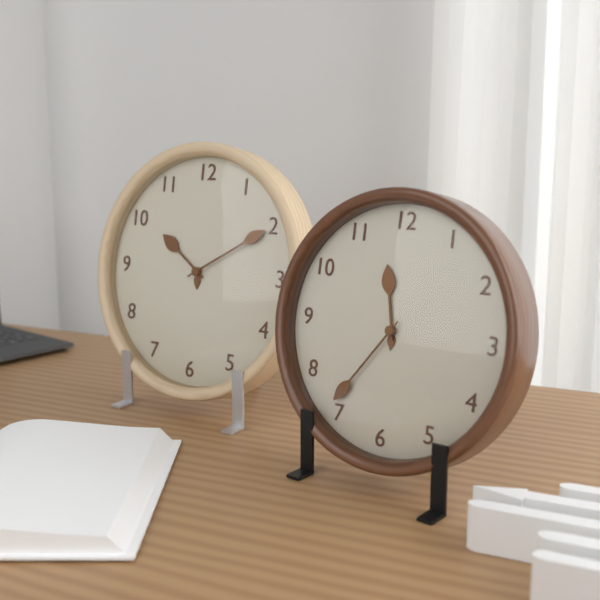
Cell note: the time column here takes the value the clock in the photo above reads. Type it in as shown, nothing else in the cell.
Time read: 11:36
